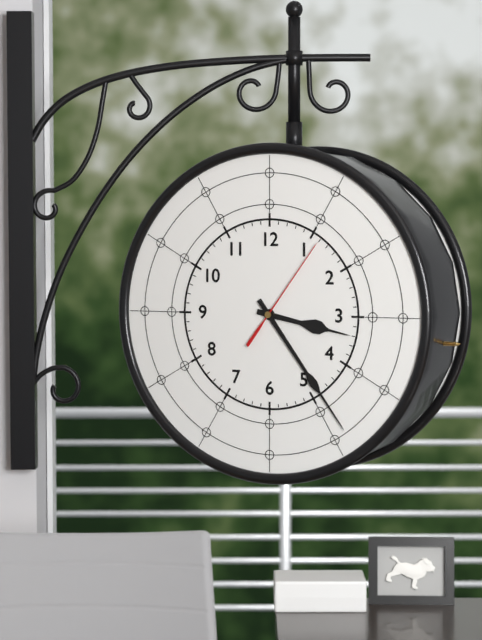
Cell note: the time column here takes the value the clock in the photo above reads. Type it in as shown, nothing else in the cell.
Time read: 3:24:06
